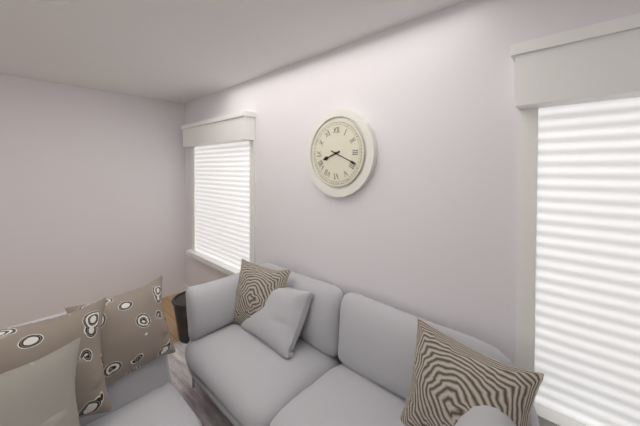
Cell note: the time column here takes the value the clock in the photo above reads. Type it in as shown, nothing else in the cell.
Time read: 8:19
